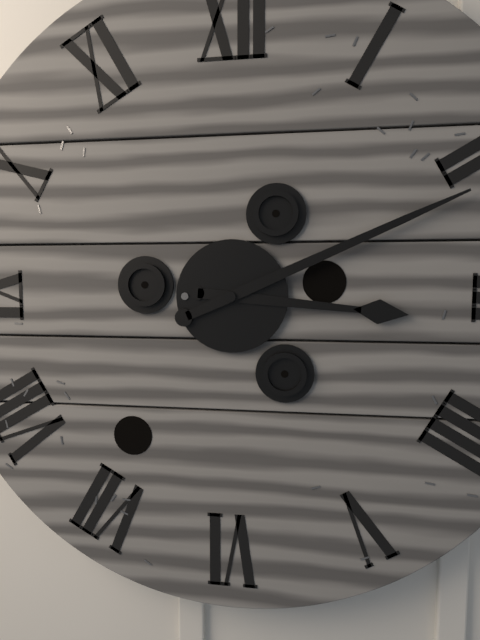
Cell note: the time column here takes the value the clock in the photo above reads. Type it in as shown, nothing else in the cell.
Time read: 3:11
